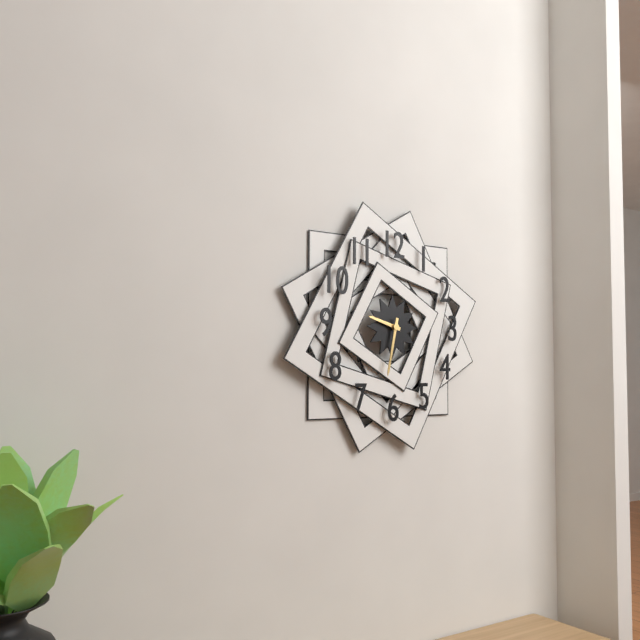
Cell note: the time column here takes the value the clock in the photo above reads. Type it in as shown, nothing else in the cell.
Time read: 9:32
